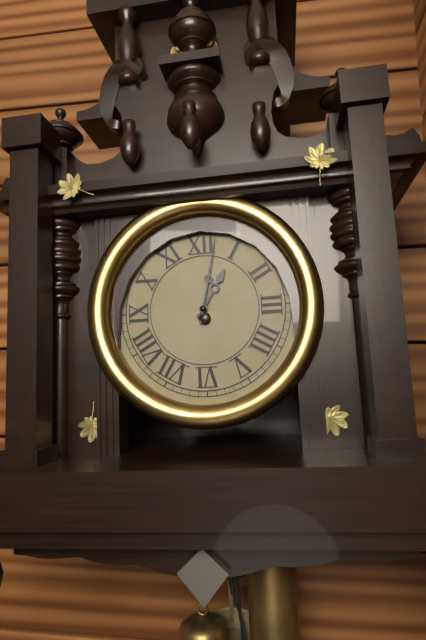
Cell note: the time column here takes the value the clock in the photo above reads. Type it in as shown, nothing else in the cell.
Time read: 1:02
